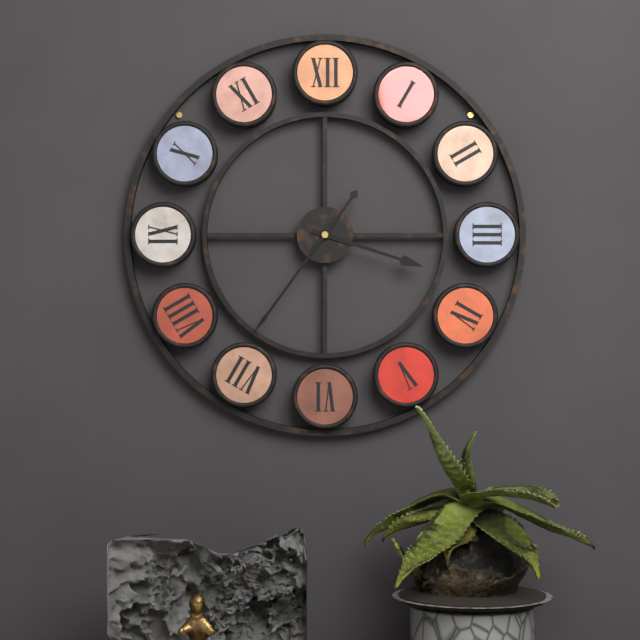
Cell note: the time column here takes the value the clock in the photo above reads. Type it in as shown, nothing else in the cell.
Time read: 3:36
